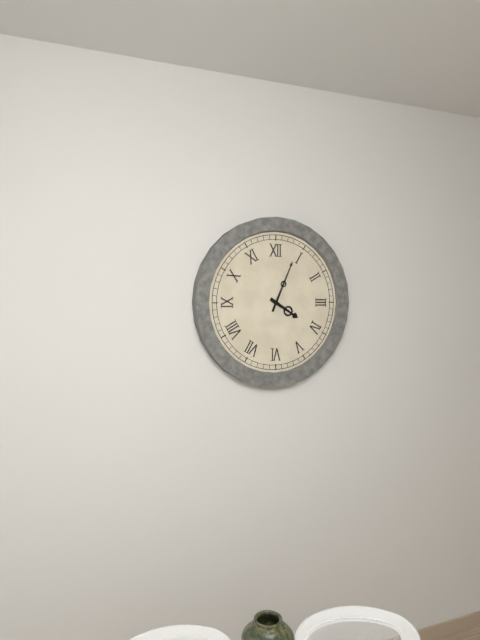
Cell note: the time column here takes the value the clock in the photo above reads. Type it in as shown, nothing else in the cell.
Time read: 4:04
